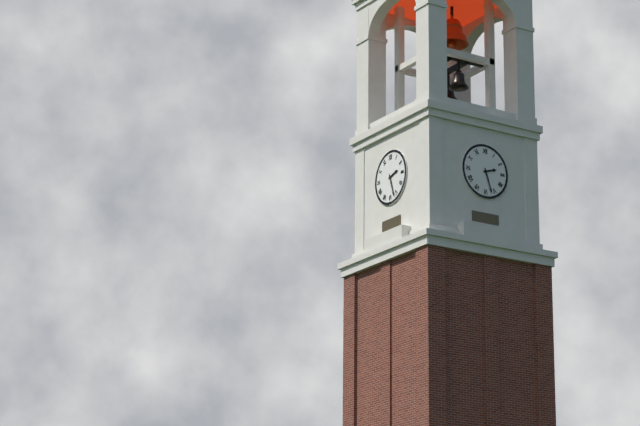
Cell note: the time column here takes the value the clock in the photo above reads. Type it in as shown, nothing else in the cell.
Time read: 2:27
